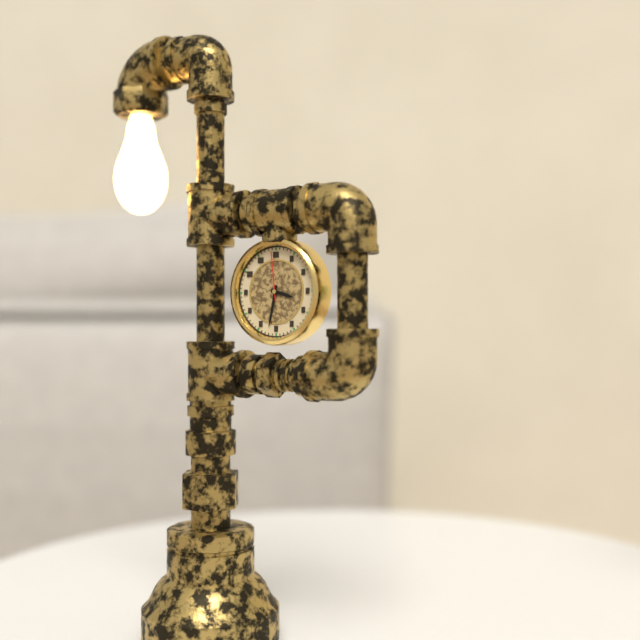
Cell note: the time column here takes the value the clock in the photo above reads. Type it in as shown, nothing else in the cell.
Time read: 3:32:59
